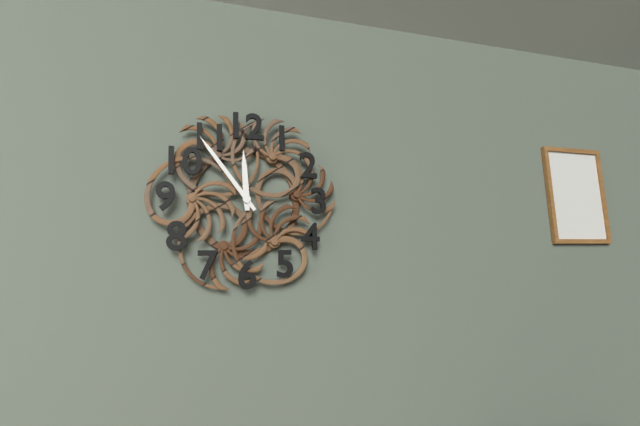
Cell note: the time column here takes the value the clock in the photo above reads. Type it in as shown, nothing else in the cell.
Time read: 11:54
